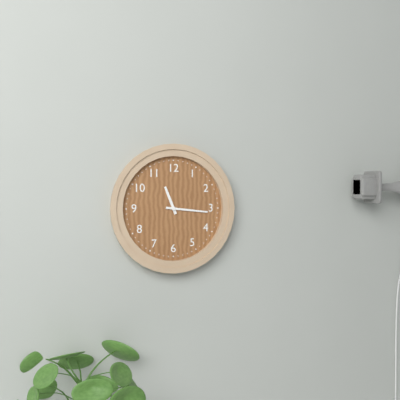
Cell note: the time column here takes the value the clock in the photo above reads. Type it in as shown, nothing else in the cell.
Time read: 11:16
